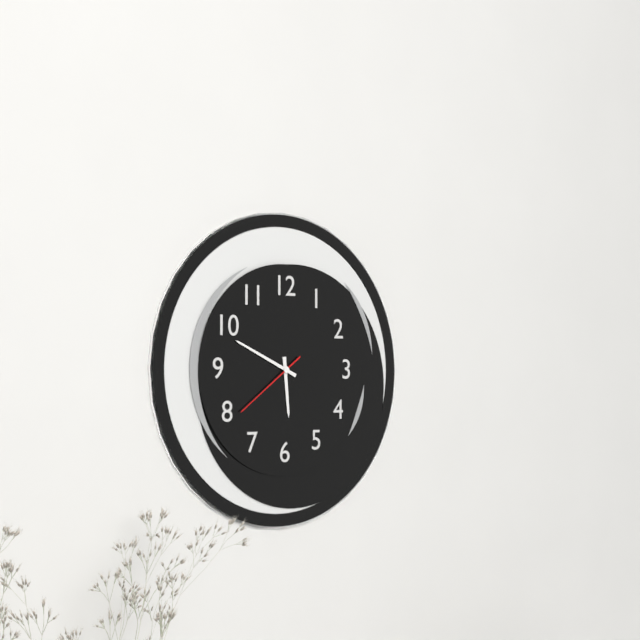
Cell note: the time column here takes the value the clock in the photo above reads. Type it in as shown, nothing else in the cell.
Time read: 5:49:39
